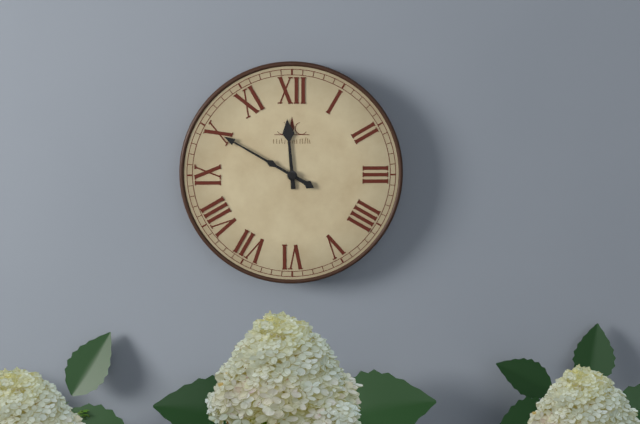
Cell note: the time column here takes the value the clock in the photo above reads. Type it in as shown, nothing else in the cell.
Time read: 11:50
